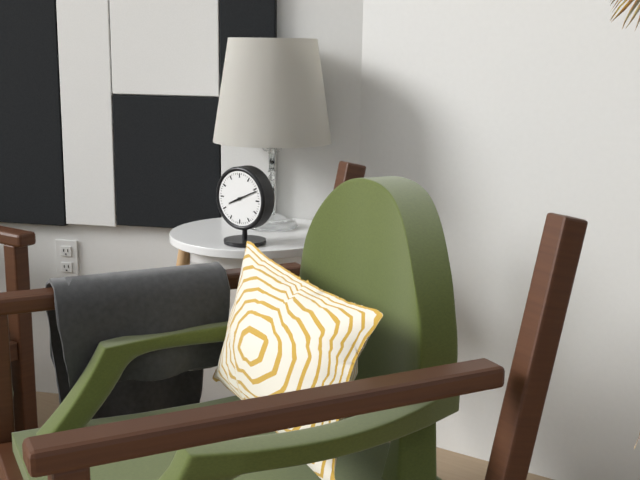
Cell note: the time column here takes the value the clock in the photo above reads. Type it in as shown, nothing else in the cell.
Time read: 8:11
